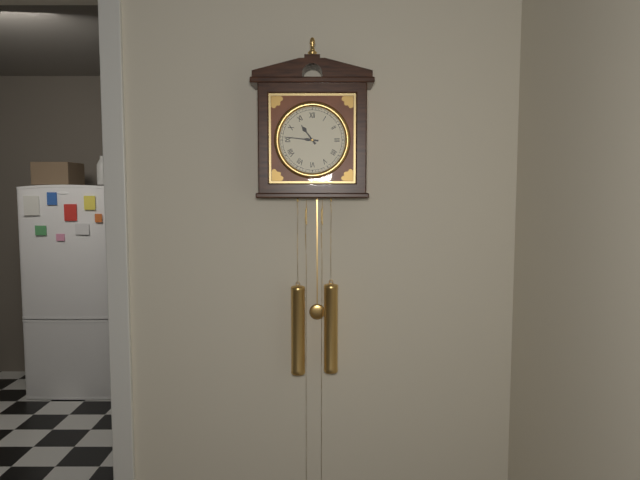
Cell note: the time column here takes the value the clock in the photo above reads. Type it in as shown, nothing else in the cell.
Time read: 10:46
